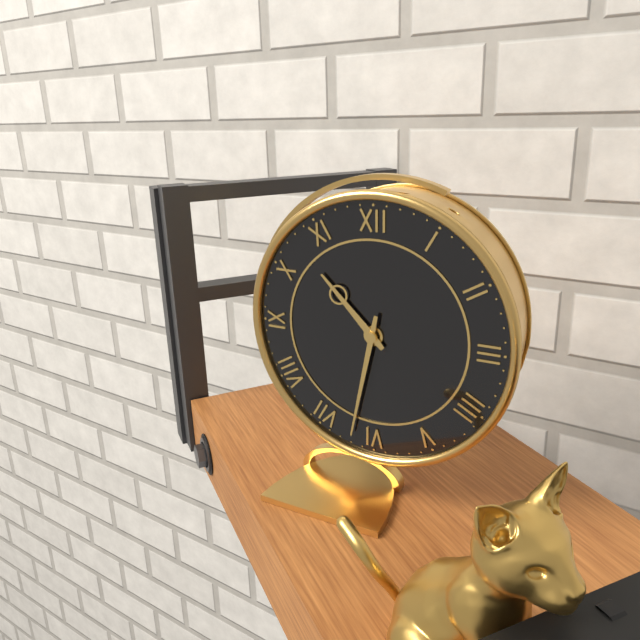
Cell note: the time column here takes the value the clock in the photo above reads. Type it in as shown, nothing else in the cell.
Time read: 10:32
